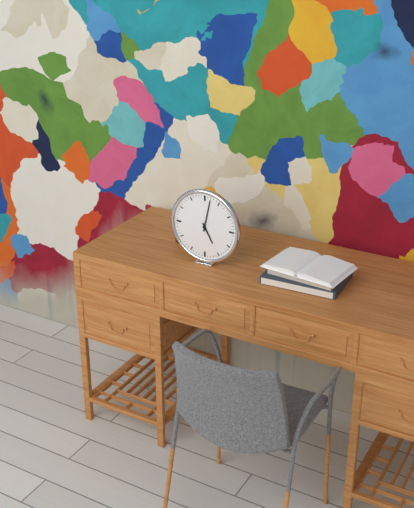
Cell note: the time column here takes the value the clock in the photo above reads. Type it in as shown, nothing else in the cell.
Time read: 5:02
